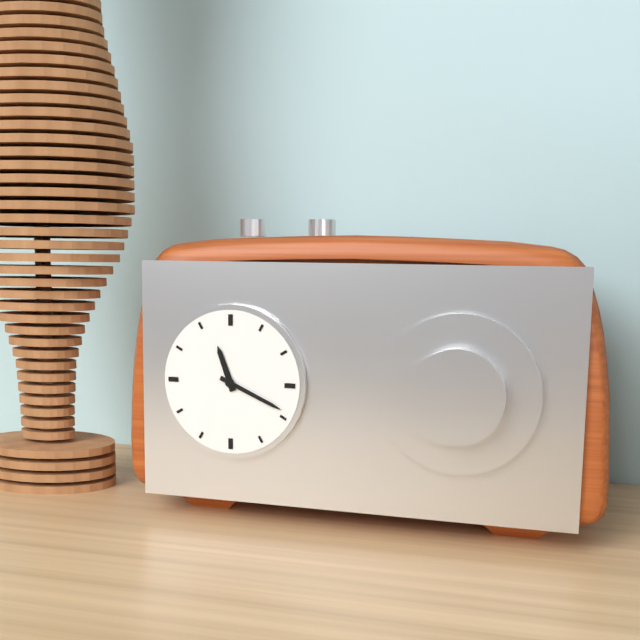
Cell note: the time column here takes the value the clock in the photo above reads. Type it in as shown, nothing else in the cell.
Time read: 11:19
